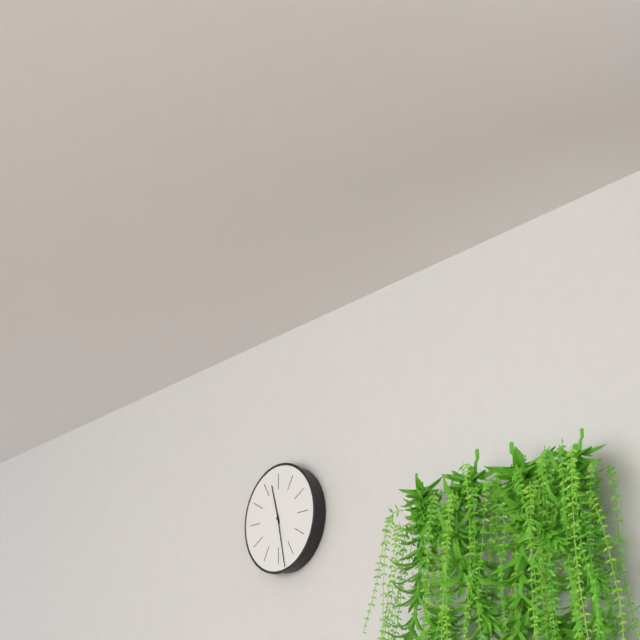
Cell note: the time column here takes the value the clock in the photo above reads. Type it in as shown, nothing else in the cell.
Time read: 11:28
